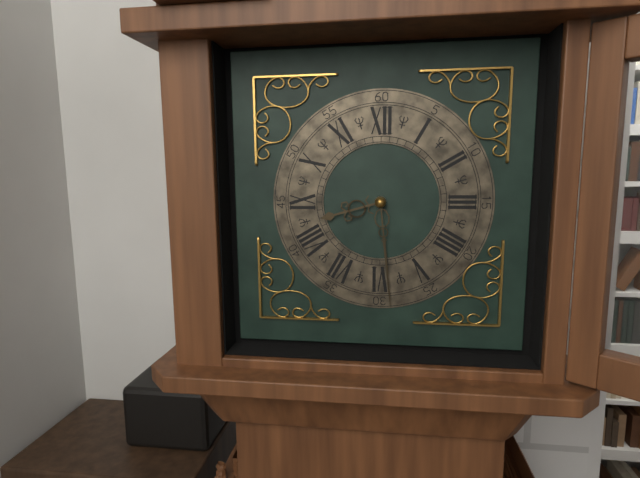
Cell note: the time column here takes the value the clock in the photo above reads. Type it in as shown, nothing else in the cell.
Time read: 8:29
